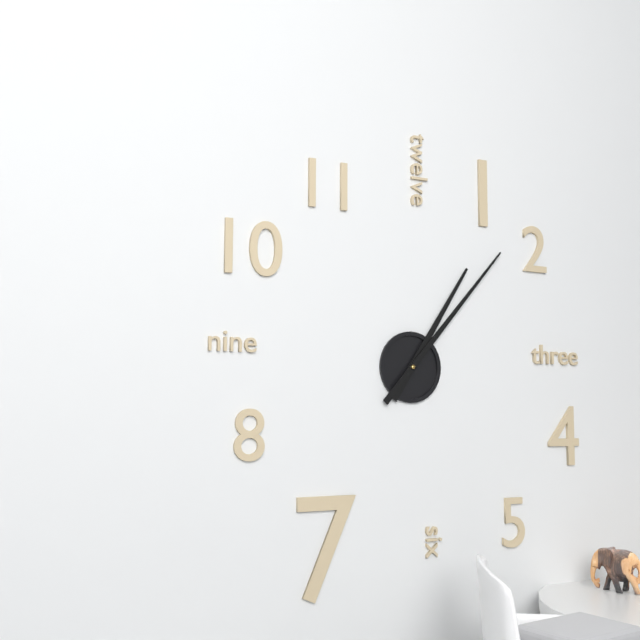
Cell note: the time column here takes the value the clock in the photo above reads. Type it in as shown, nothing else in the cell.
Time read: 1:07
